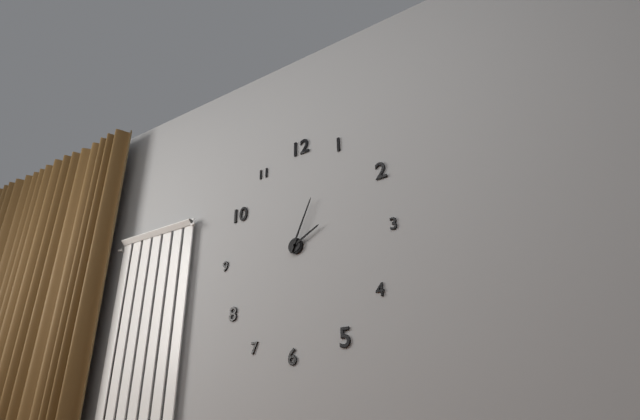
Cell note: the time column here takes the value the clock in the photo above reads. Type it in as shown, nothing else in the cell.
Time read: 2:04
